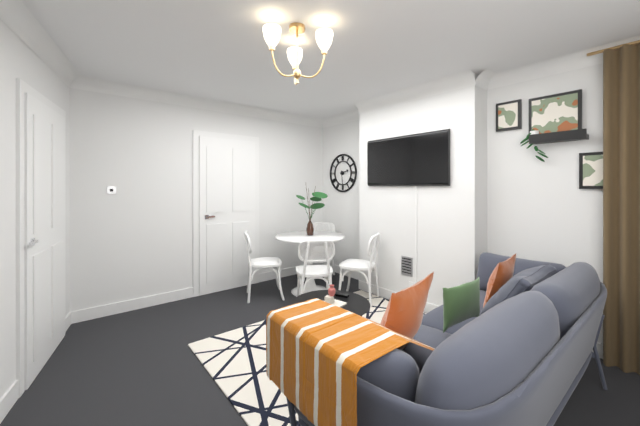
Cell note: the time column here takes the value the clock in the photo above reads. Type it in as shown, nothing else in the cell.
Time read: 2:29
